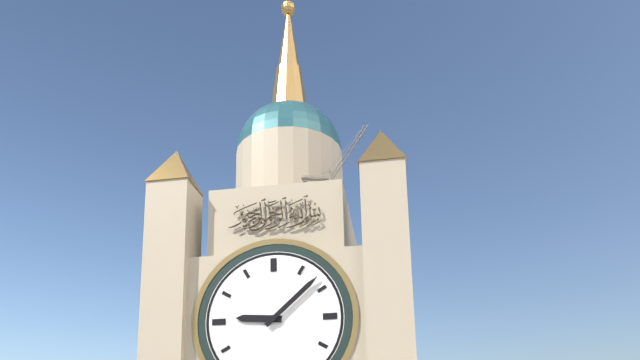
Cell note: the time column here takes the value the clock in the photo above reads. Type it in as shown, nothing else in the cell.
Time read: 9:08
